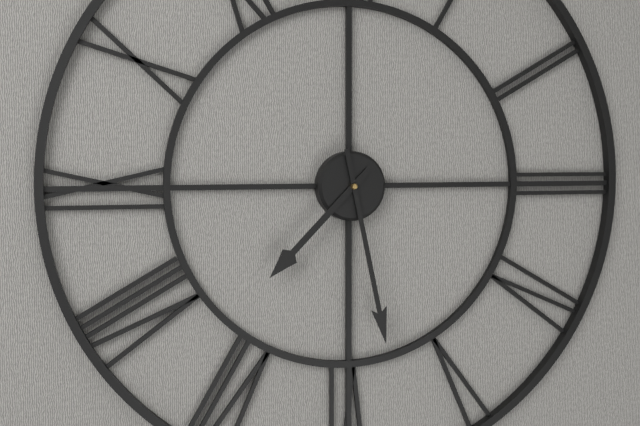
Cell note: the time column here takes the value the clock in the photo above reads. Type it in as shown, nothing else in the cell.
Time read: 7:28
